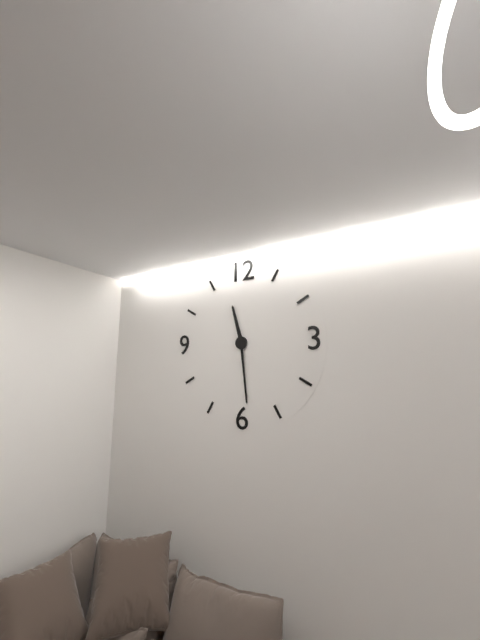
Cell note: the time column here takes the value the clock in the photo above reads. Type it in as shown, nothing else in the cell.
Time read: 11:29
